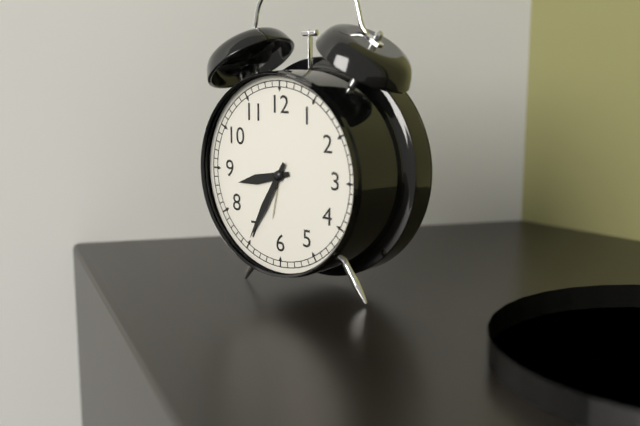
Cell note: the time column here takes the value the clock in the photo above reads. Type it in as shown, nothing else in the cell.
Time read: 8:35
